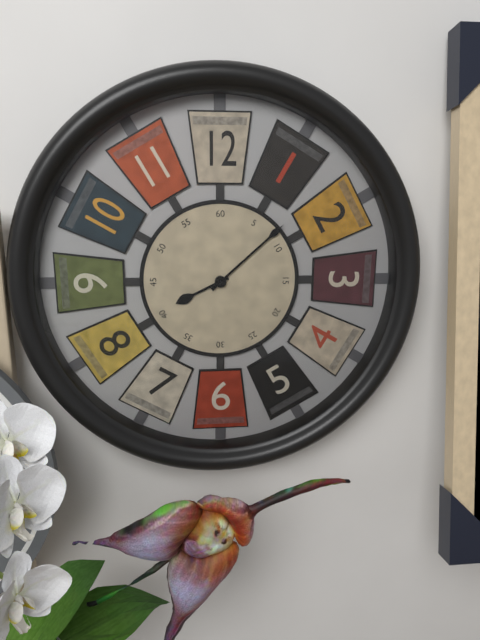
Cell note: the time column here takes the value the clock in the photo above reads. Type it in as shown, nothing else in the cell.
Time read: 8:08
